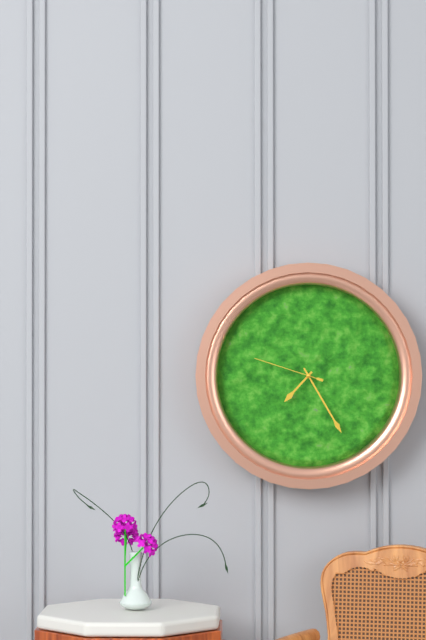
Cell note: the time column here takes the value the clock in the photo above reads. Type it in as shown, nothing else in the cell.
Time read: 7:25:48
